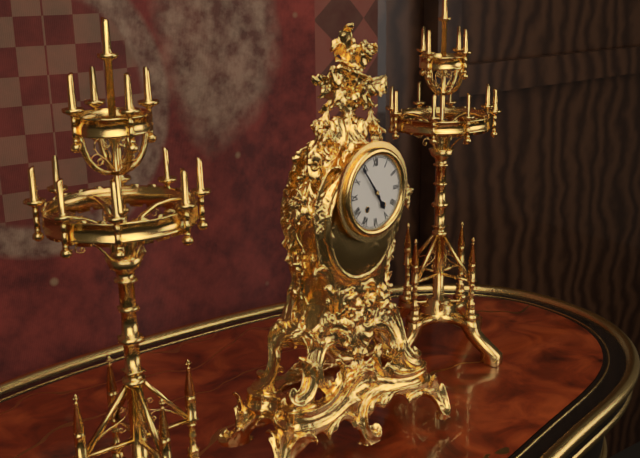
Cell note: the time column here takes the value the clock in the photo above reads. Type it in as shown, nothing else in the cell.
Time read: 4:54
